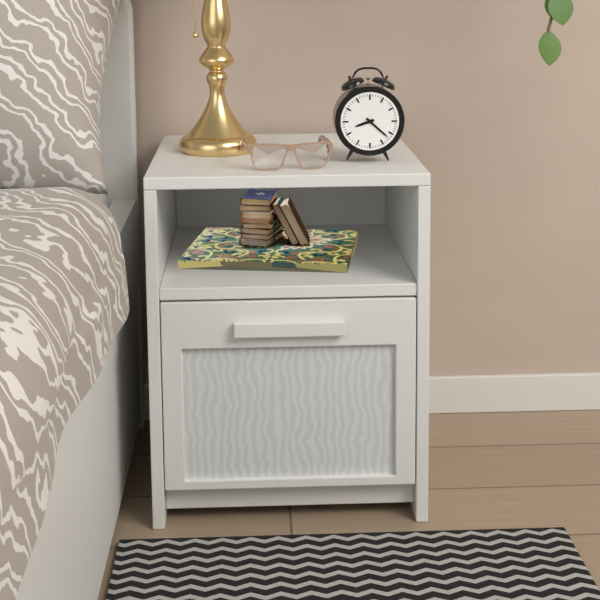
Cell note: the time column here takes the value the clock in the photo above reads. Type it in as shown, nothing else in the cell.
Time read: 8:22
